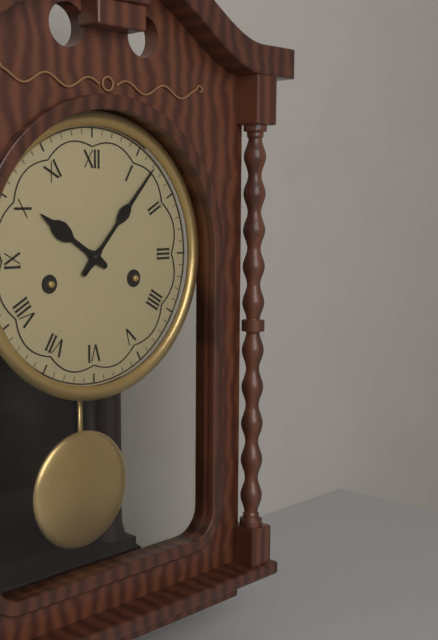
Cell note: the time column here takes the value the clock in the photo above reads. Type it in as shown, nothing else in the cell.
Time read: 10:07
